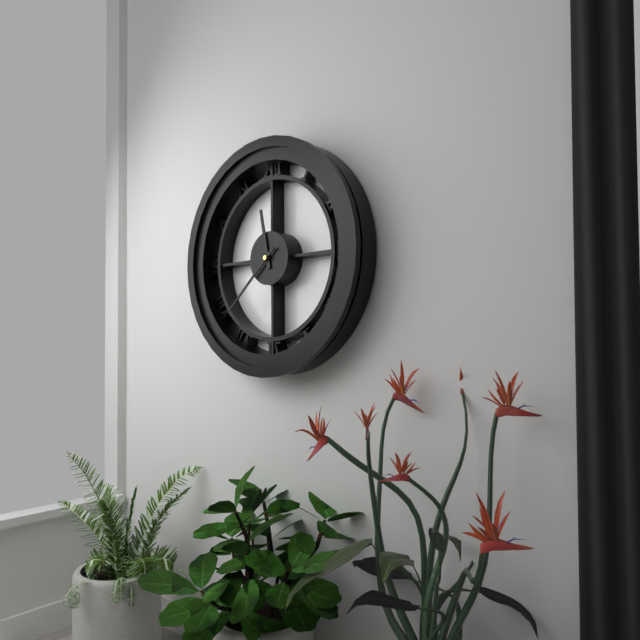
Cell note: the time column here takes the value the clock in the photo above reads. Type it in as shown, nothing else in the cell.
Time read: 11:38
